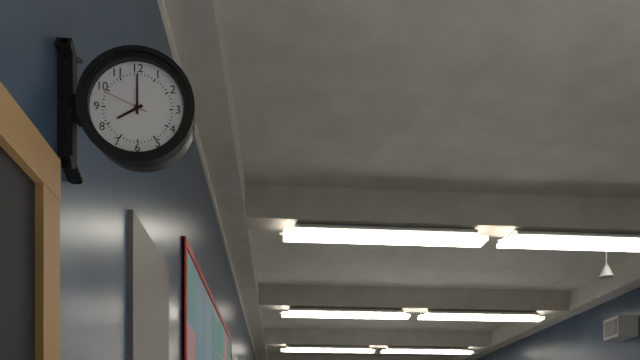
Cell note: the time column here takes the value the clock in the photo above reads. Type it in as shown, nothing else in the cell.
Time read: 8:00
